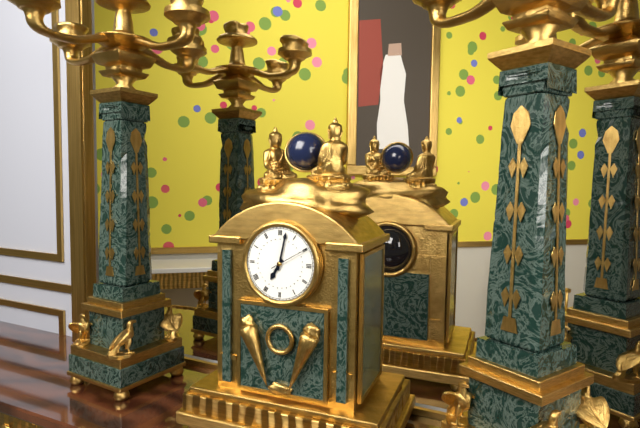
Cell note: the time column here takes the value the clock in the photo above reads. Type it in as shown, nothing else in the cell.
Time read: 7:02
